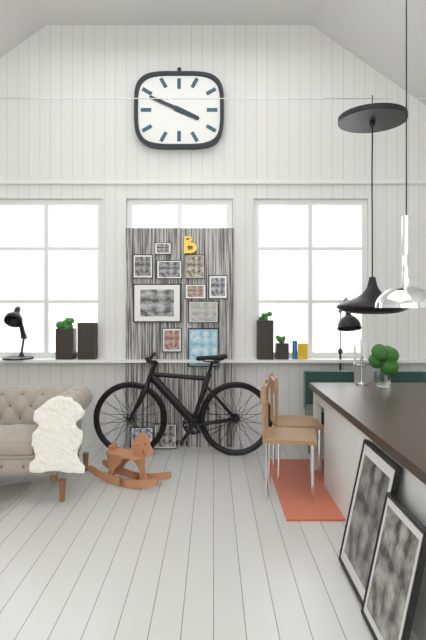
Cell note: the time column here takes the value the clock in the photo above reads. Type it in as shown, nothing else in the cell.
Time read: 3:49
